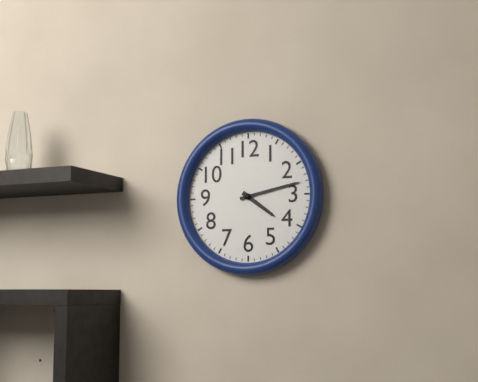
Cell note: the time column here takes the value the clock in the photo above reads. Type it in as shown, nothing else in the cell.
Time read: 4:13
